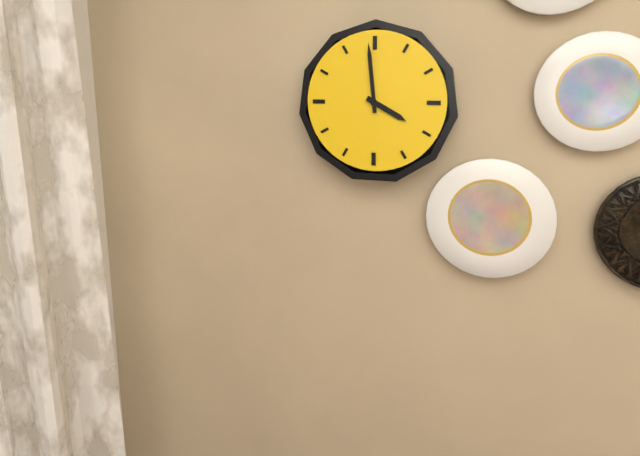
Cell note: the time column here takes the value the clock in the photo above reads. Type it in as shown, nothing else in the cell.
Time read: 3:59
